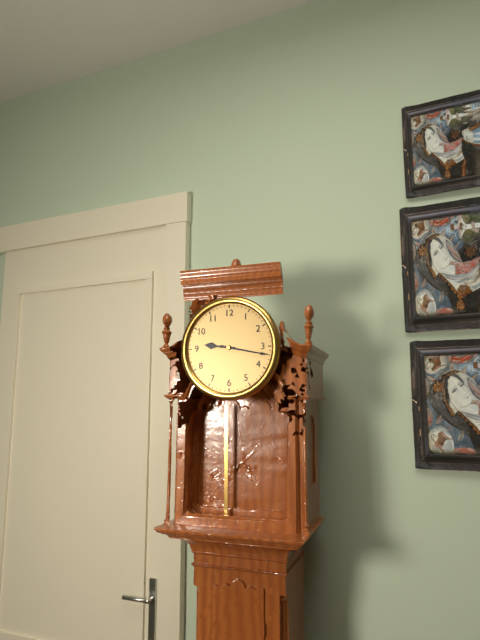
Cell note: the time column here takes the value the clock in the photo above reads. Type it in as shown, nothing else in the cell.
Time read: 9:17
